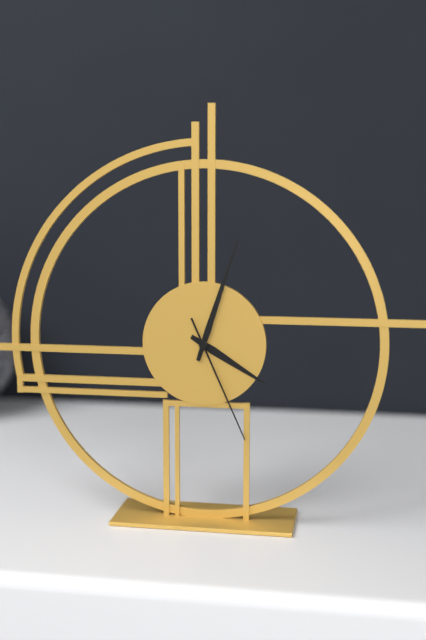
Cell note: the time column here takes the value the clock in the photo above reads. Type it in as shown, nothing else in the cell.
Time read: 4:03:26
